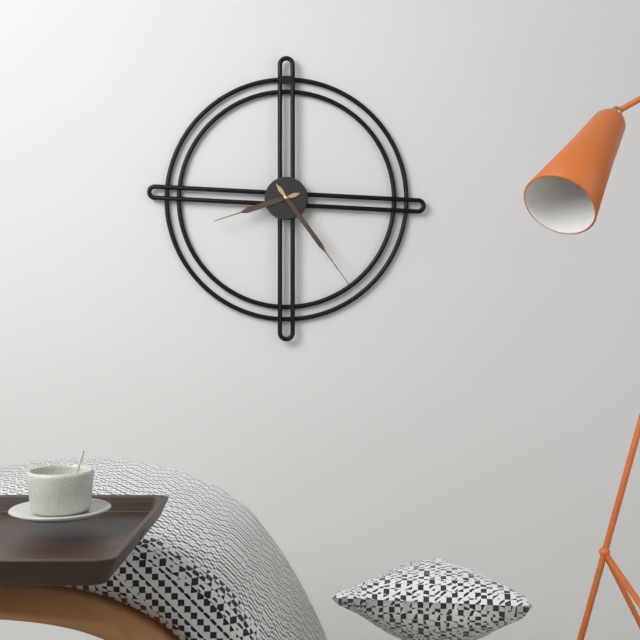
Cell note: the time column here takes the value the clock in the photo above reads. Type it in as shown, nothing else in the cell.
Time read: 8:24
